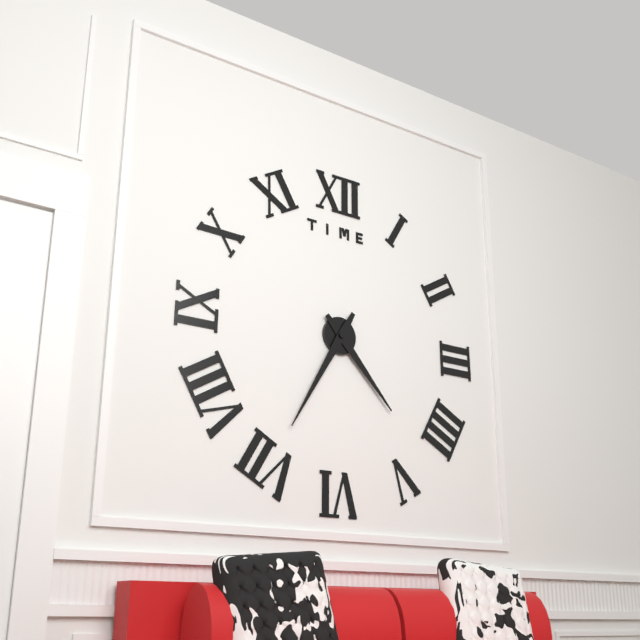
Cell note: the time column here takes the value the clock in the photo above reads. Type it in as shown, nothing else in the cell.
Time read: 4:35
